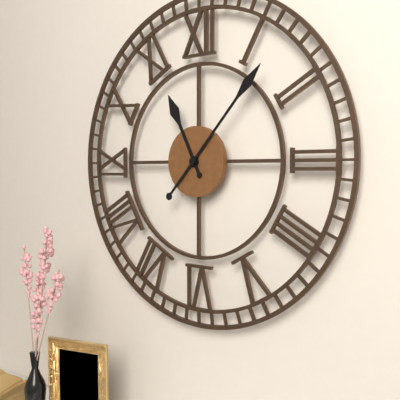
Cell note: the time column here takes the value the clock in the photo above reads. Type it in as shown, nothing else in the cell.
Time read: 11:07
